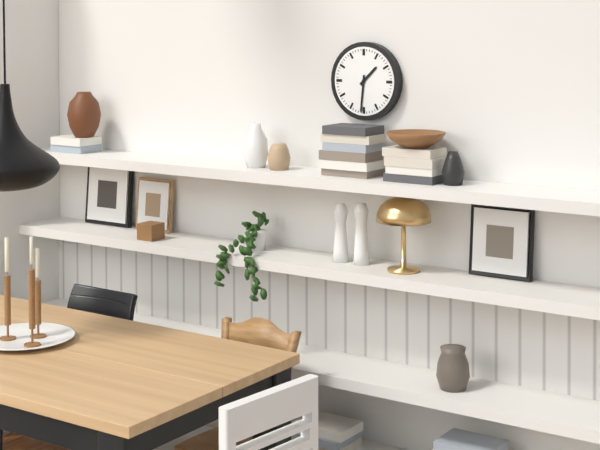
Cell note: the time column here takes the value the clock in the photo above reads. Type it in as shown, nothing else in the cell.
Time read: 1:31
